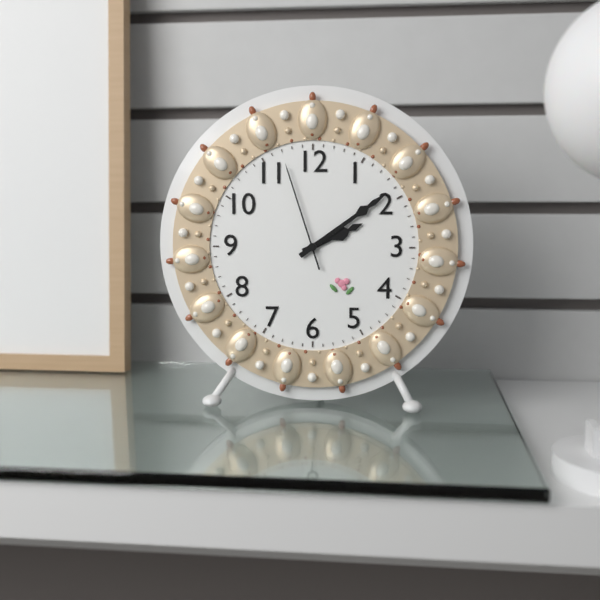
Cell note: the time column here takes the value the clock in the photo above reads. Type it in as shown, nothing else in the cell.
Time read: 2:09:57
